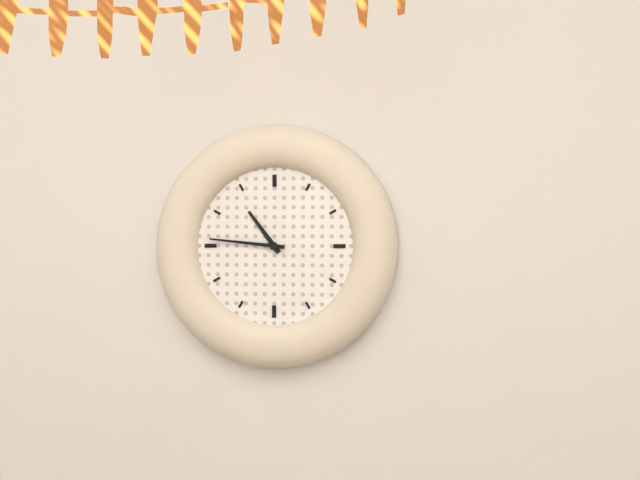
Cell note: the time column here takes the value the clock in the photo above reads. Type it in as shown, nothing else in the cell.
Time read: 10:46
